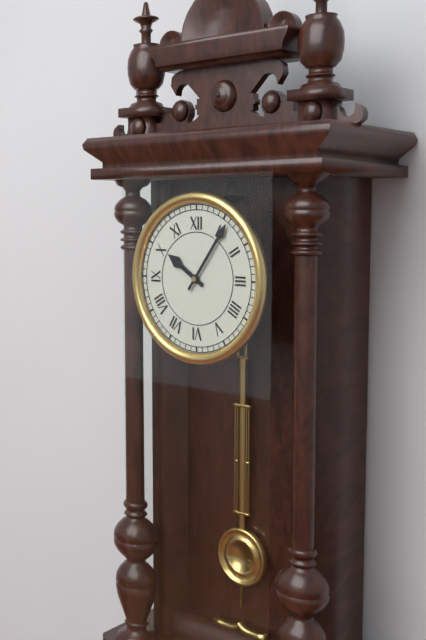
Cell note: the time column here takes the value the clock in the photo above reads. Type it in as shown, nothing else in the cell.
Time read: 10:06
